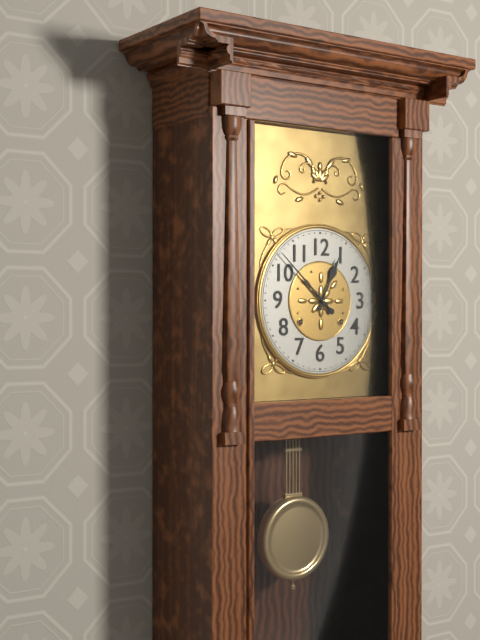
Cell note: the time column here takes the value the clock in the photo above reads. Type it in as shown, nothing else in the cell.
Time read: 12:52
